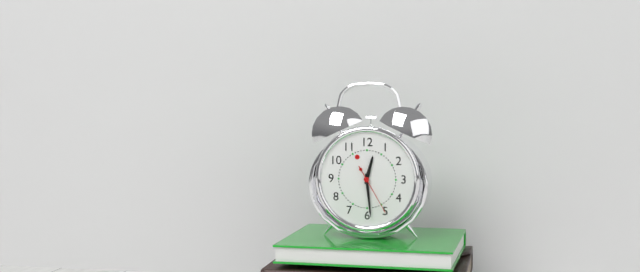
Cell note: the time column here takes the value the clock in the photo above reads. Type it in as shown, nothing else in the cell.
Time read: 12:29
